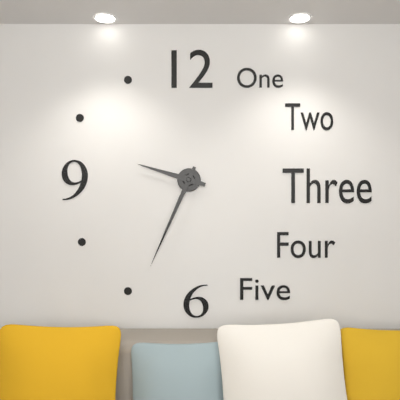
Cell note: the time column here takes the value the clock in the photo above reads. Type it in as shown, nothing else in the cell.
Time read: 9:34
